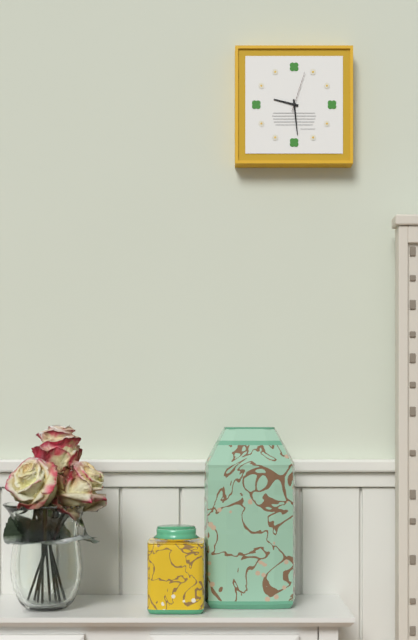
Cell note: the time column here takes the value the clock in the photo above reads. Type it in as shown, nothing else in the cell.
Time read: 9:29
